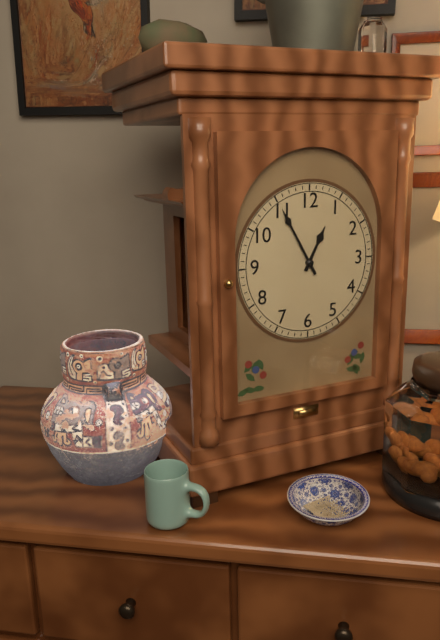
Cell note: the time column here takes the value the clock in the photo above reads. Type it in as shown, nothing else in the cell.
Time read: 12:55
